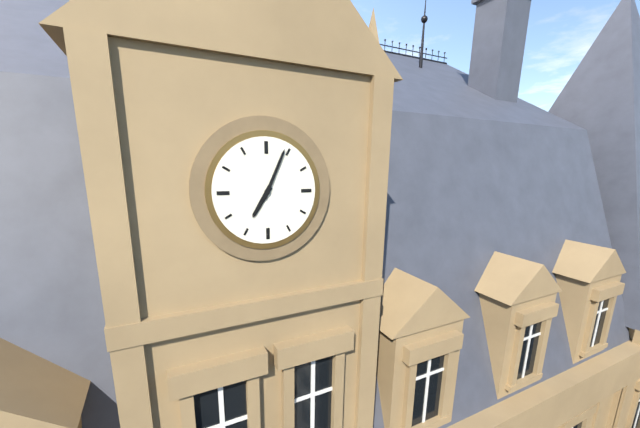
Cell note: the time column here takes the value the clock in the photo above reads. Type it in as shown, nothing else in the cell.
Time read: 7:04
